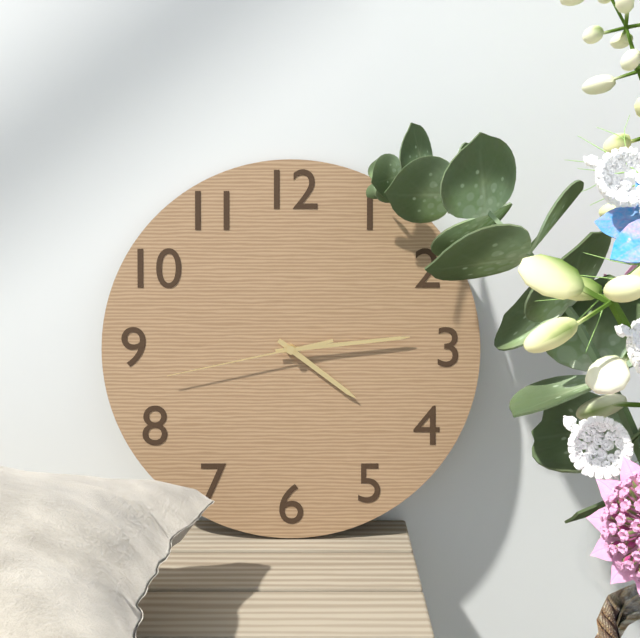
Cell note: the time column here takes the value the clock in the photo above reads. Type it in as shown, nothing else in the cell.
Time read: 4:14:43
